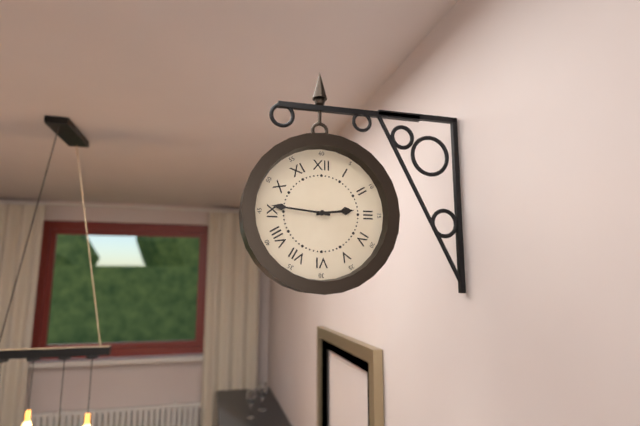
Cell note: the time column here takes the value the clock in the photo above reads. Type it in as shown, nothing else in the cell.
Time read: 2:46
